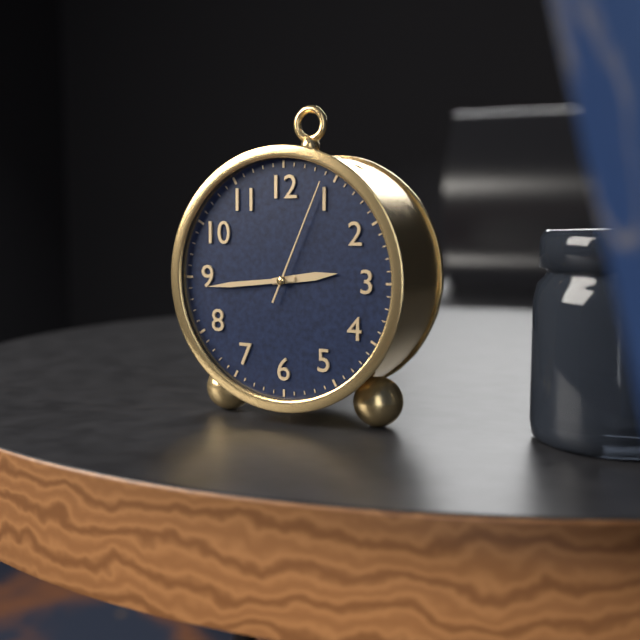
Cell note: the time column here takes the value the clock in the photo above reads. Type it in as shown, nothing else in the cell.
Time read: 2:44:04
